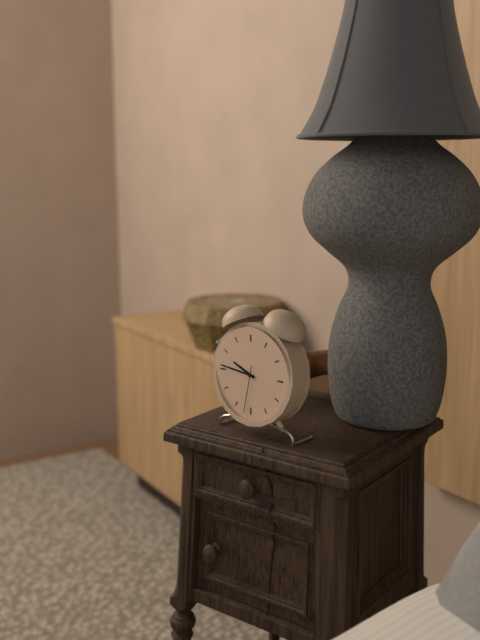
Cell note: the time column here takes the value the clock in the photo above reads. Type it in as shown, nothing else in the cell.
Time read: 9:46
